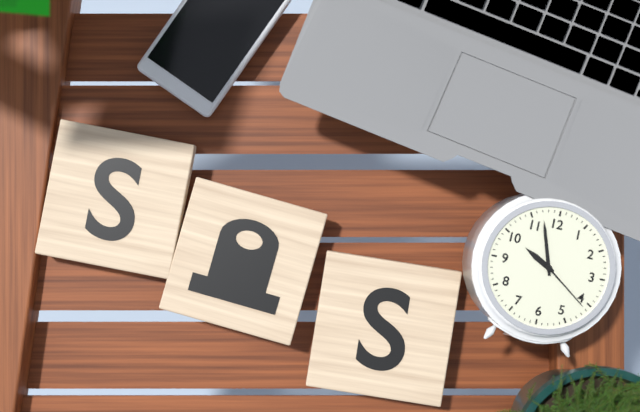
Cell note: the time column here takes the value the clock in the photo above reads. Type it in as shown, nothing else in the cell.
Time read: 9:57:21
